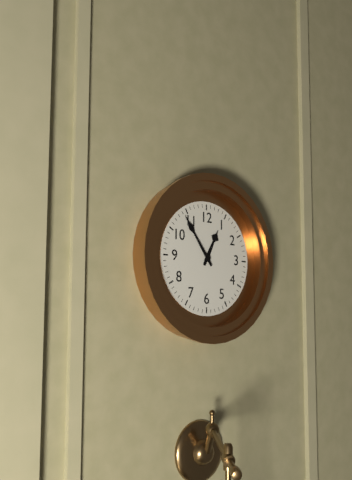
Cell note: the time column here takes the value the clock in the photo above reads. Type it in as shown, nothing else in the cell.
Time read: 12:54
